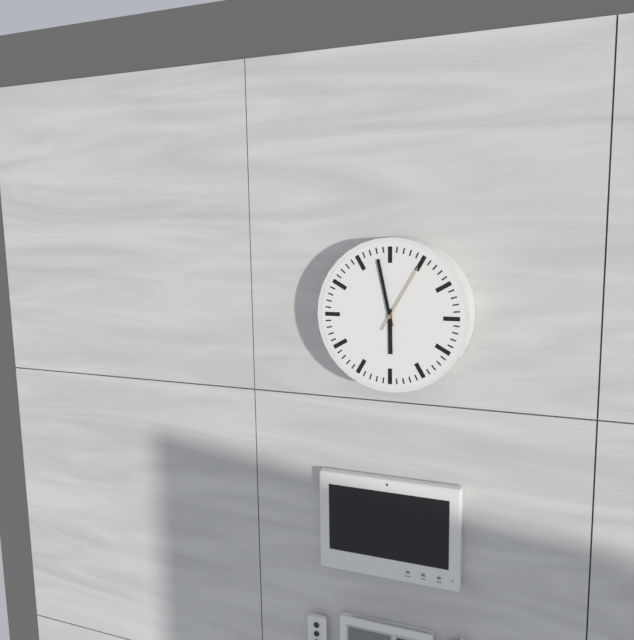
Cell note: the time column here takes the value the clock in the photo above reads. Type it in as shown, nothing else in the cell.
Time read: 5:58:05
